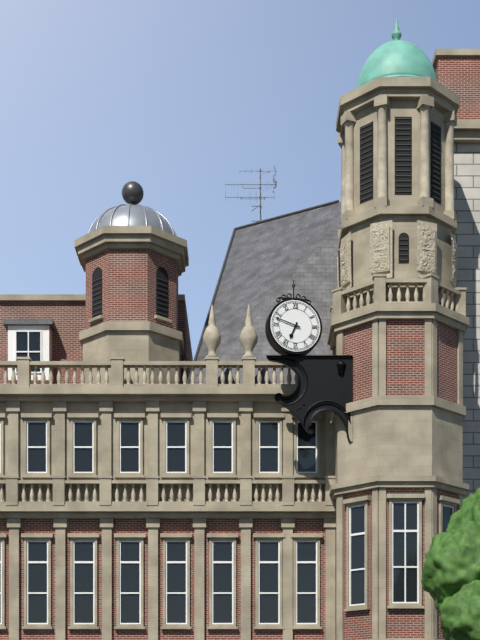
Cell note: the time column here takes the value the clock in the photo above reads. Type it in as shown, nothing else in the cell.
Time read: 6:48
